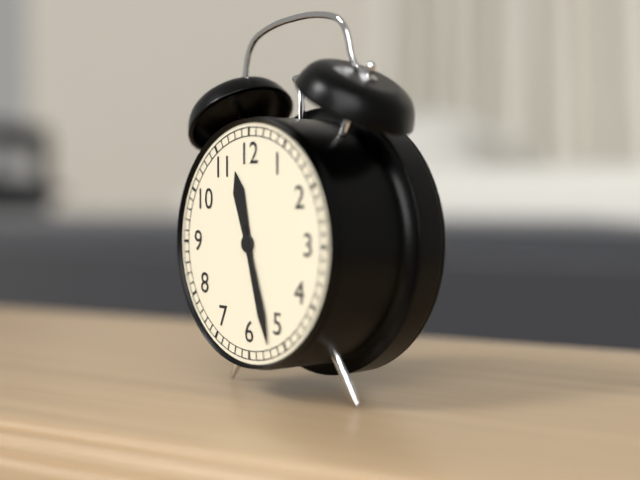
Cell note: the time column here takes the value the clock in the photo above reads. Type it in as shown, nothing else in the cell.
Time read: 11:27
